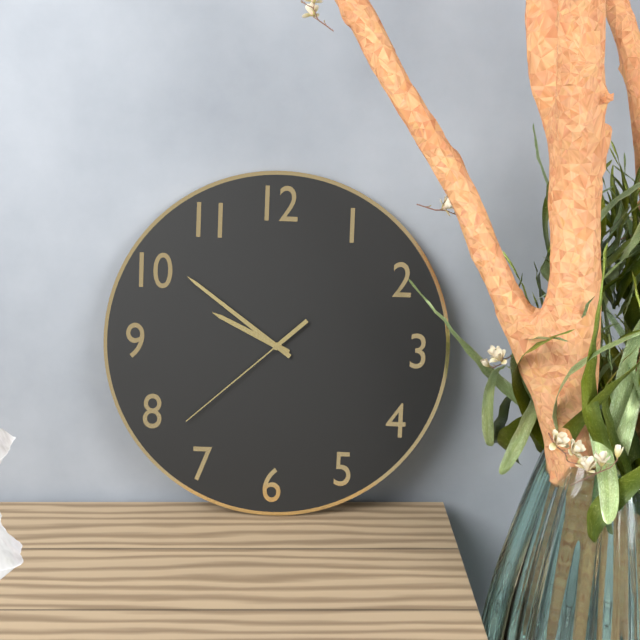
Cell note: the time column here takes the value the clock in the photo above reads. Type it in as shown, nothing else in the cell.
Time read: 9:51:38
